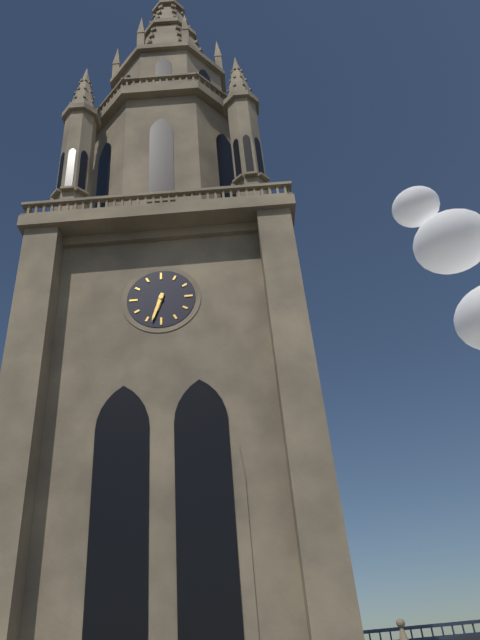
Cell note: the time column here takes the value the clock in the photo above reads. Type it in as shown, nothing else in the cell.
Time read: 6:33
